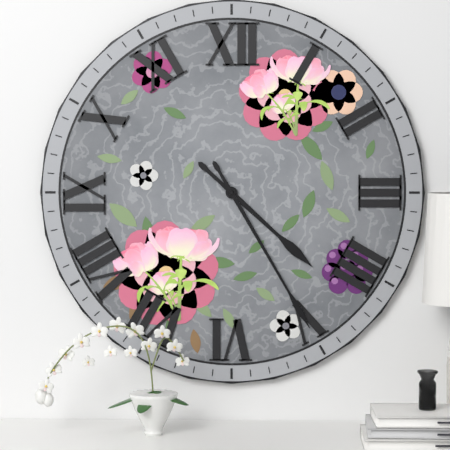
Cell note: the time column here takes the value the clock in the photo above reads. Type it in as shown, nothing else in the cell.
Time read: 4:25
